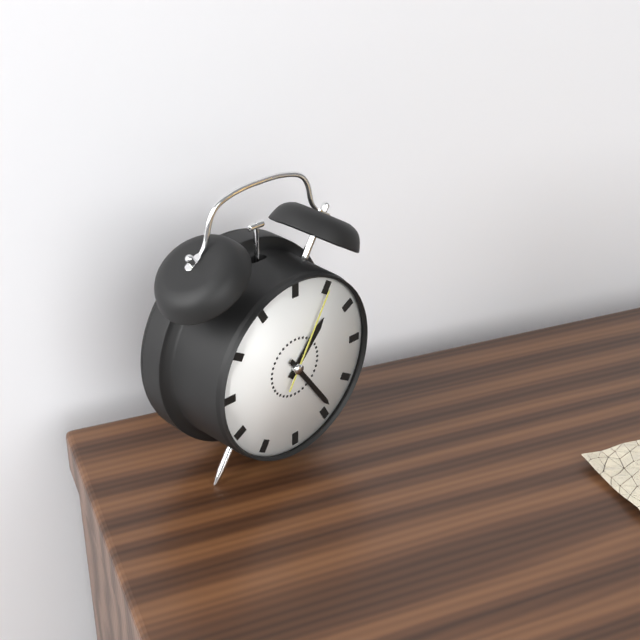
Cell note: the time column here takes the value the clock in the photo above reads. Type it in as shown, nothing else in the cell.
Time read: 1:24:05
